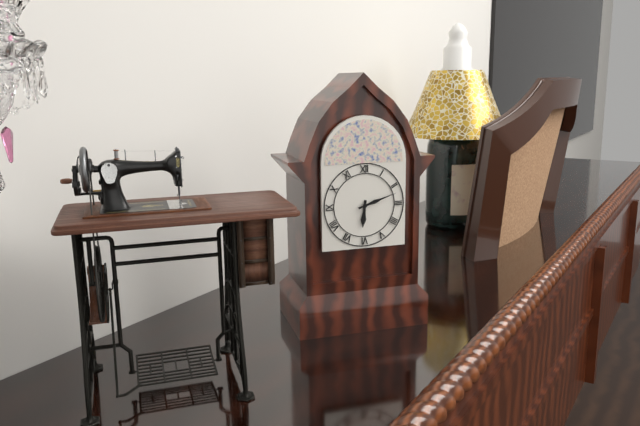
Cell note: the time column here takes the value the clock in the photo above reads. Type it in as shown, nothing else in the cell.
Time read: 6:12
